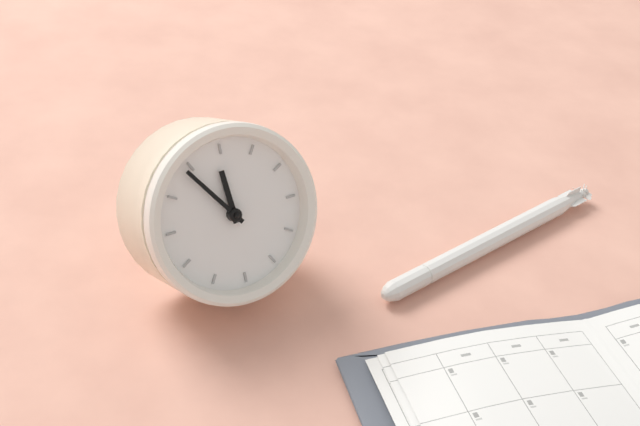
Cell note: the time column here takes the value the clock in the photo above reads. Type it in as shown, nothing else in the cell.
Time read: 10:49
